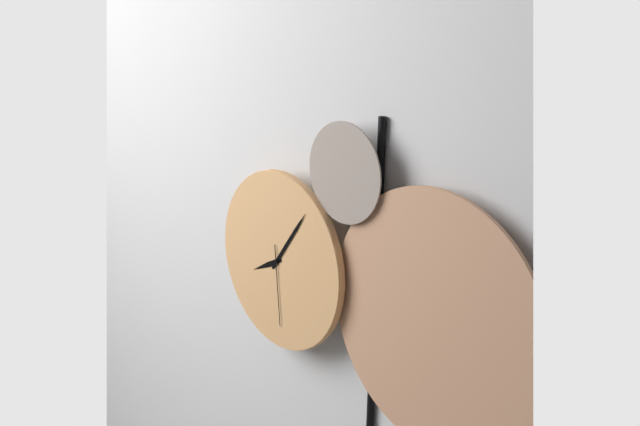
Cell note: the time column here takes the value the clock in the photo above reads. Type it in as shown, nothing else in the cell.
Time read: 8:06:29
